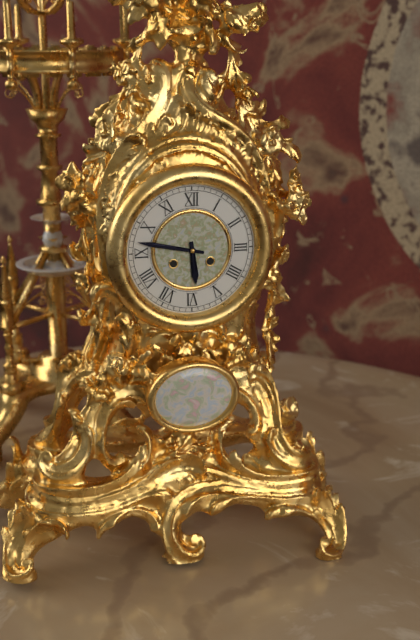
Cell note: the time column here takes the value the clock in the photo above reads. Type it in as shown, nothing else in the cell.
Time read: 5:47
